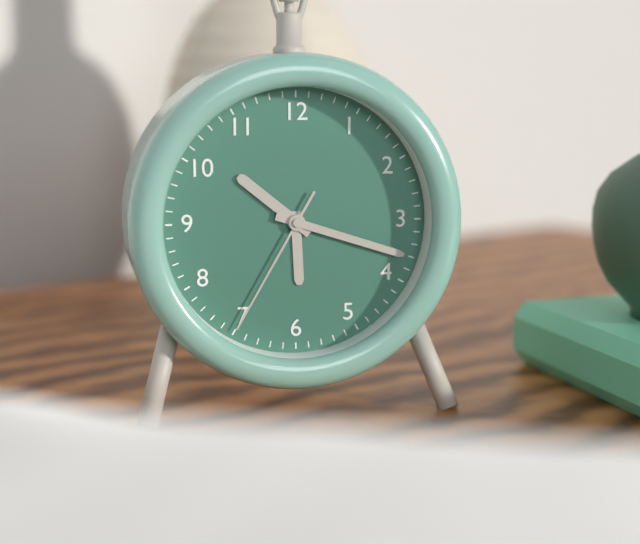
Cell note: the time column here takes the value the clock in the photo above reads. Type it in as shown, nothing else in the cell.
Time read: 10:18:35
